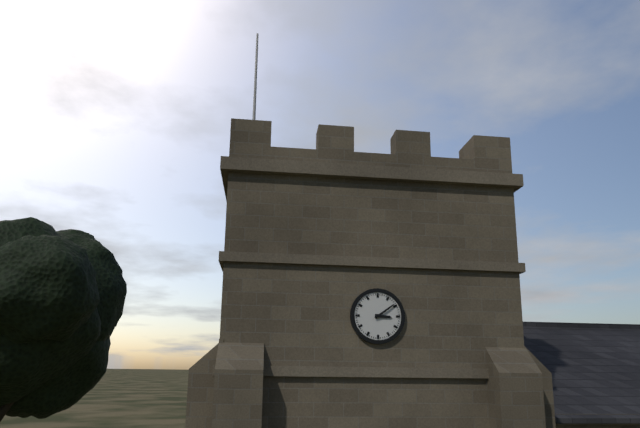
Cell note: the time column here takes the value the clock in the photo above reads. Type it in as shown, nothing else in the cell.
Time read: 3:09
